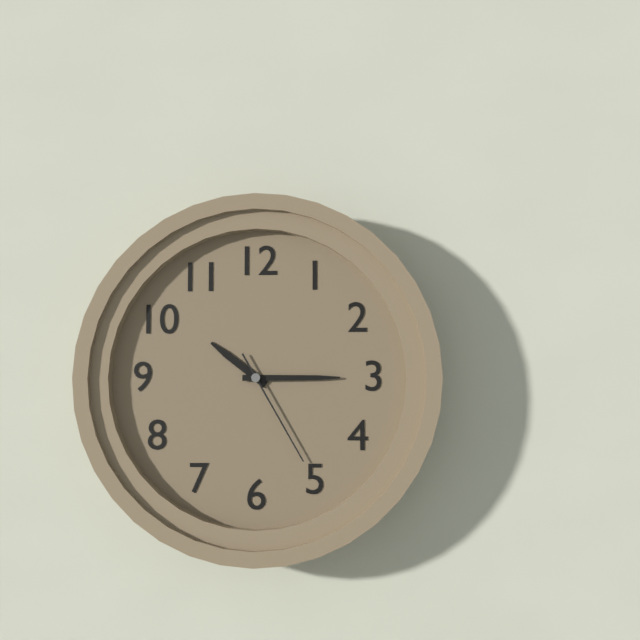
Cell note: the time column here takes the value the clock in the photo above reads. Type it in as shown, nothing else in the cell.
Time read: 10:15:25
